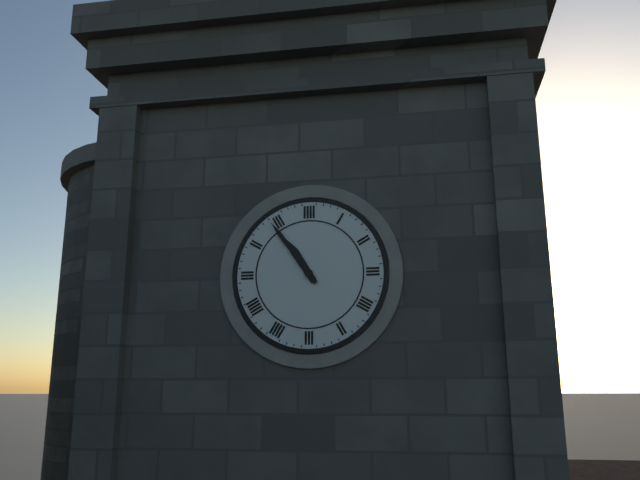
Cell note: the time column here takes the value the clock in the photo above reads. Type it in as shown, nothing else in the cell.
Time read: 10:54
